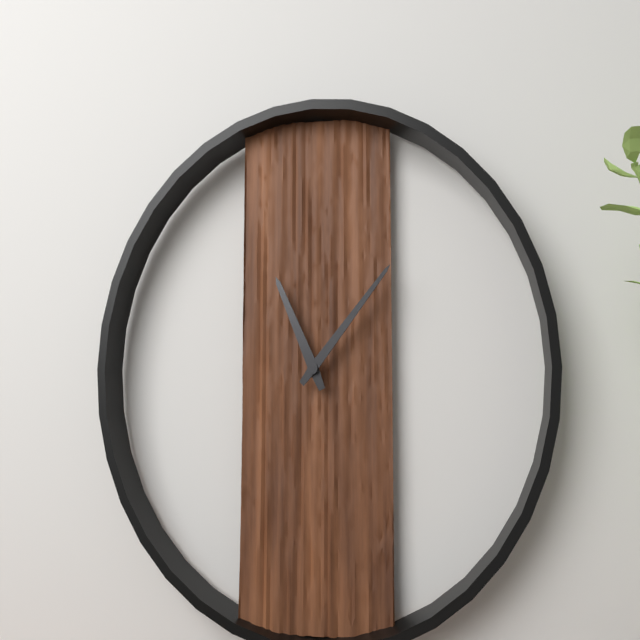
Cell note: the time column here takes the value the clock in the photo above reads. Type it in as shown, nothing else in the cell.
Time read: 11:07
